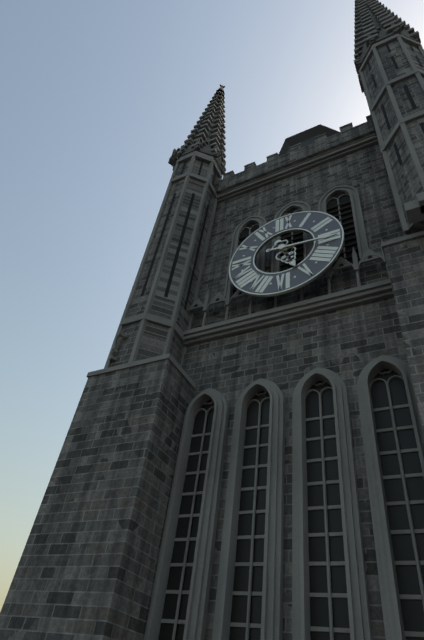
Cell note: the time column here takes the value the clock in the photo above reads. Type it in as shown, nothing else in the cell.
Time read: 5:16
